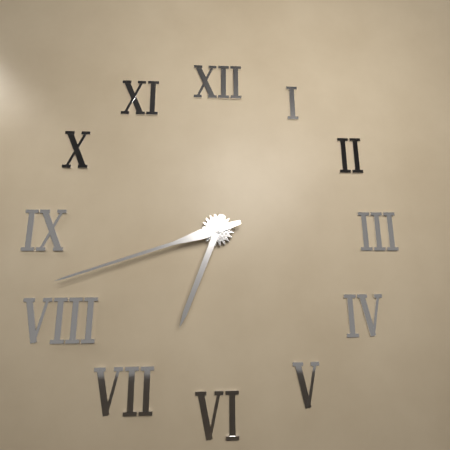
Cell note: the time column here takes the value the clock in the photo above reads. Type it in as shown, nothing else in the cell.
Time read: 6:42
